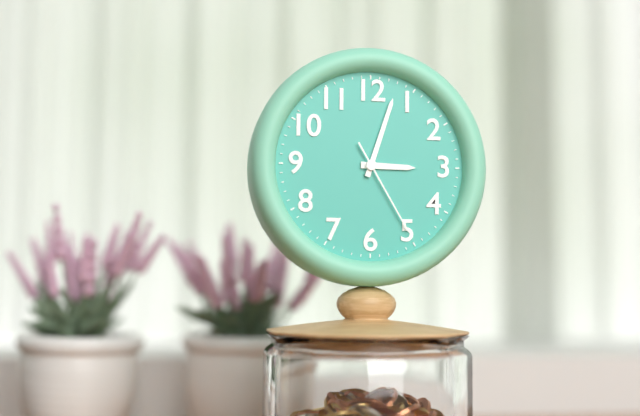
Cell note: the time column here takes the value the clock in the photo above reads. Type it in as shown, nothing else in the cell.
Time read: 3:03:25
